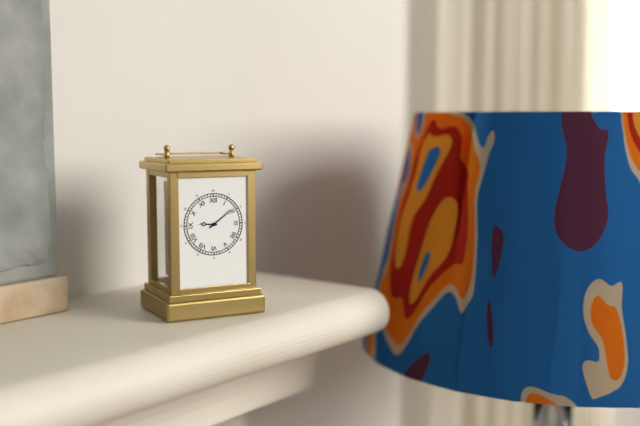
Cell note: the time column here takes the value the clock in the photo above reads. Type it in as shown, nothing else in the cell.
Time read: 9:09
